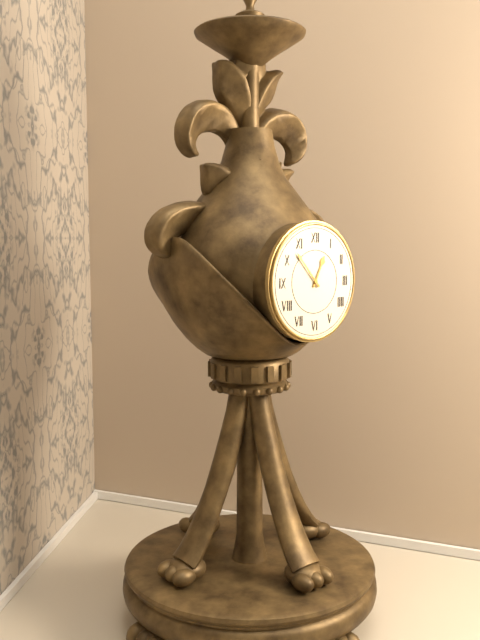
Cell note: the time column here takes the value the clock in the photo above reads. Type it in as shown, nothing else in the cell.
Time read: 12:53
